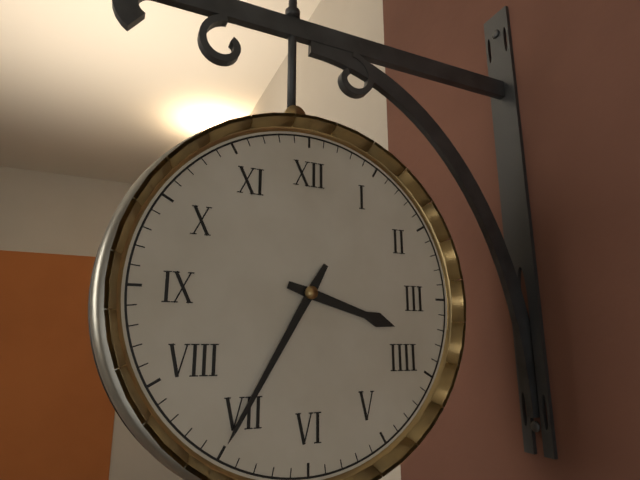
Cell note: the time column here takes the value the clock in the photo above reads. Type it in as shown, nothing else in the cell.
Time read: 3:35
